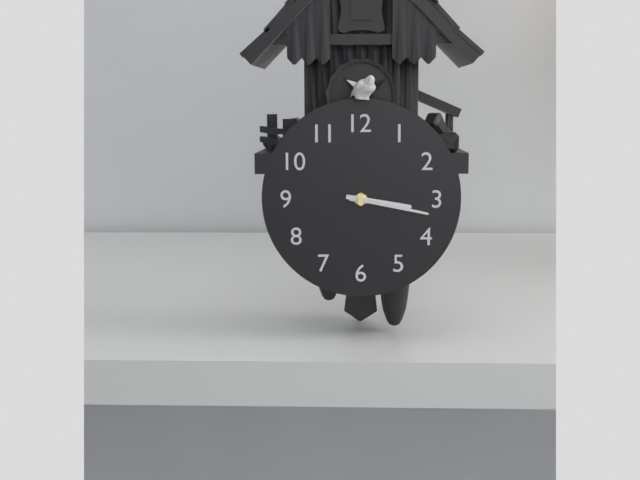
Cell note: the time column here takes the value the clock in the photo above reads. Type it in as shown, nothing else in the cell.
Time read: 3:17
